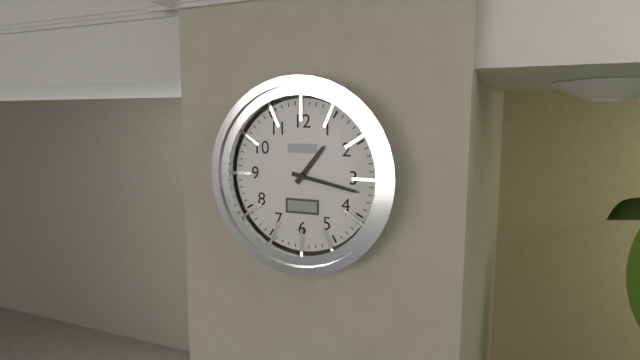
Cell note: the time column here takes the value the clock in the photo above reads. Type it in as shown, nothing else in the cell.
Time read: 1:17
